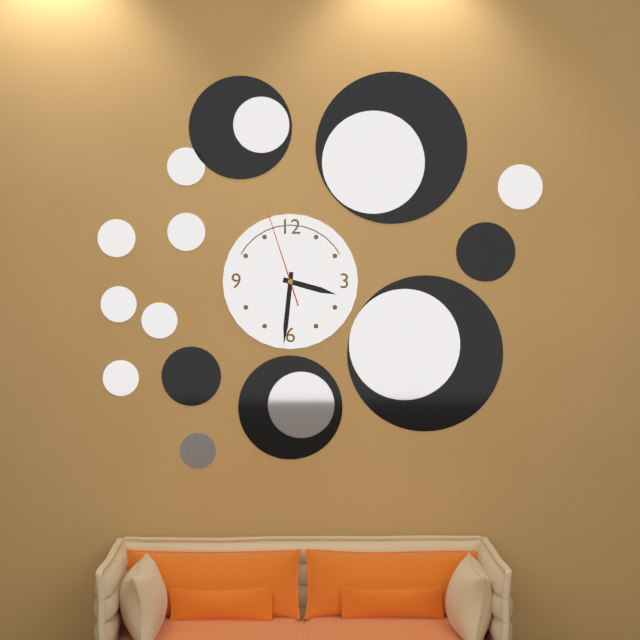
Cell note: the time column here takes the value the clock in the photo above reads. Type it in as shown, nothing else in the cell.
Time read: 3:31:57
